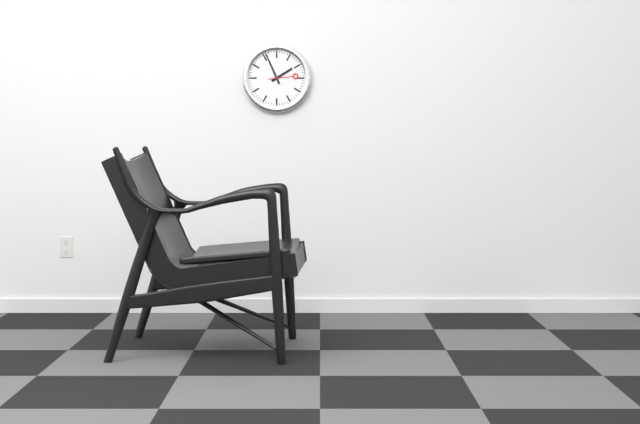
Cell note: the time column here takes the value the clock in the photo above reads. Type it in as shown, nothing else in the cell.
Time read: 1:56
